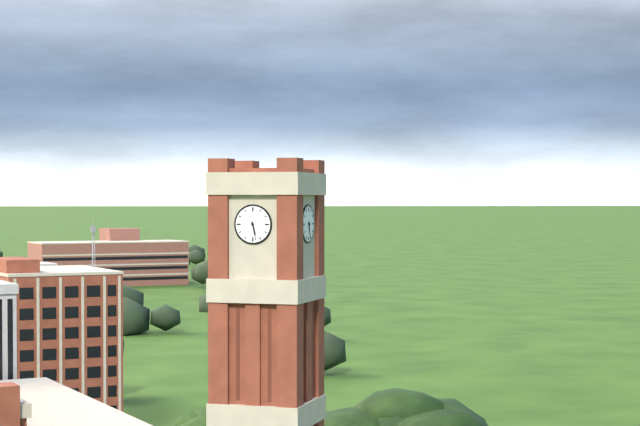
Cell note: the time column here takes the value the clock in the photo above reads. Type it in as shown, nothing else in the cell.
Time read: 5:28
